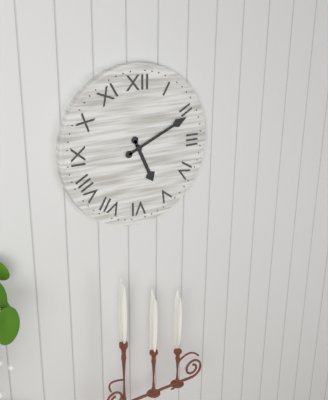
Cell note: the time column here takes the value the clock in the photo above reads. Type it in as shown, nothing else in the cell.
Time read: 5:11
